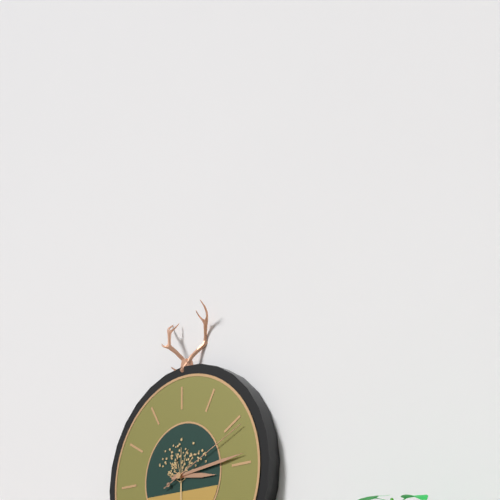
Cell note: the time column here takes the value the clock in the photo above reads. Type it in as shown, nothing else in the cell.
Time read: 3:14:11
